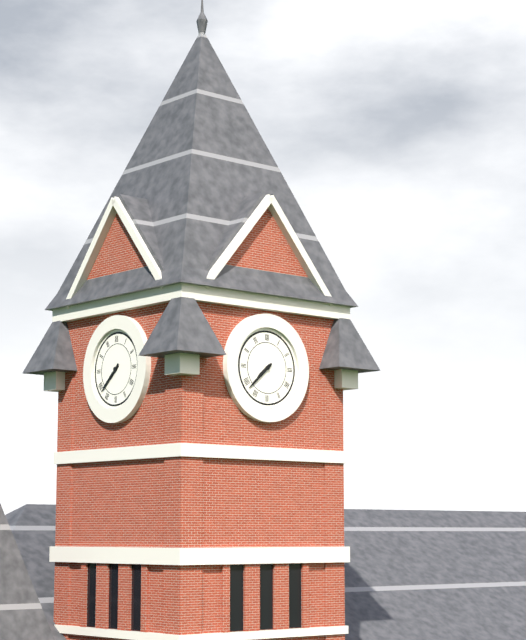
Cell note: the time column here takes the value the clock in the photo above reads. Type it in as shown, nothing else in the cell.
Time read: 7:38
